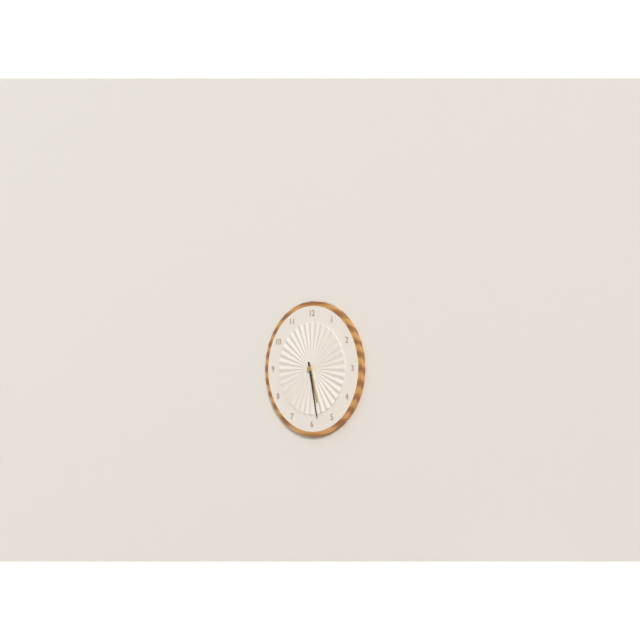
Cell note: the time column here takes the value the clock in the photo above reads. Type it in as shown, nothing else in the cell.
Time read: 5:28
